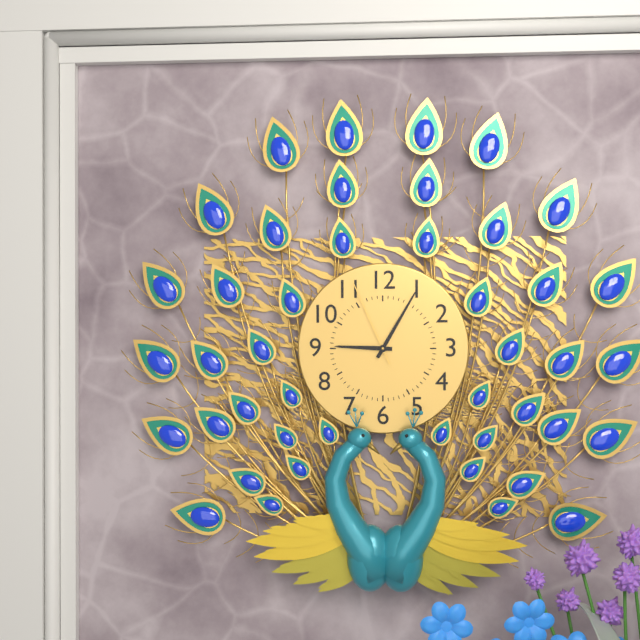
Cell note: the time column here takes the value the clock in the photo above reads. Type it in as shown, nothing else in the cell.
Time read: 9:05:56
